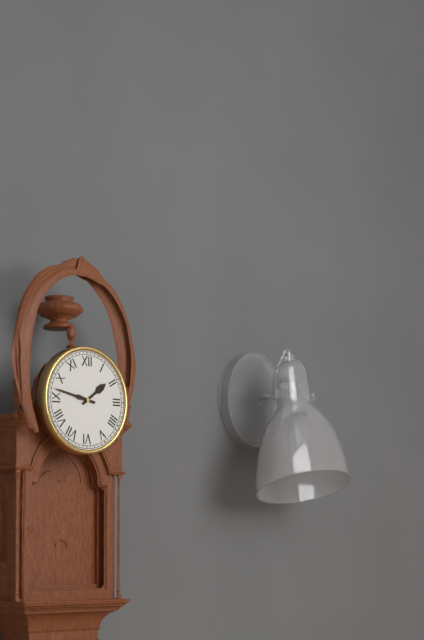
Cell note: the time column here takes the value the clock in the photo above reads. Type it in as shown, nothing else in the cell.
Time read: 1:47
